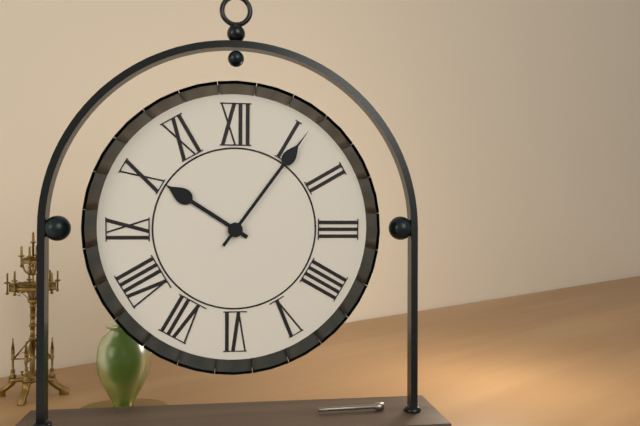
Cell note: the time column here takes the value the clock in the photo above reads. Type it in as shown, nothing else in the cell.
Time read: 10:06
